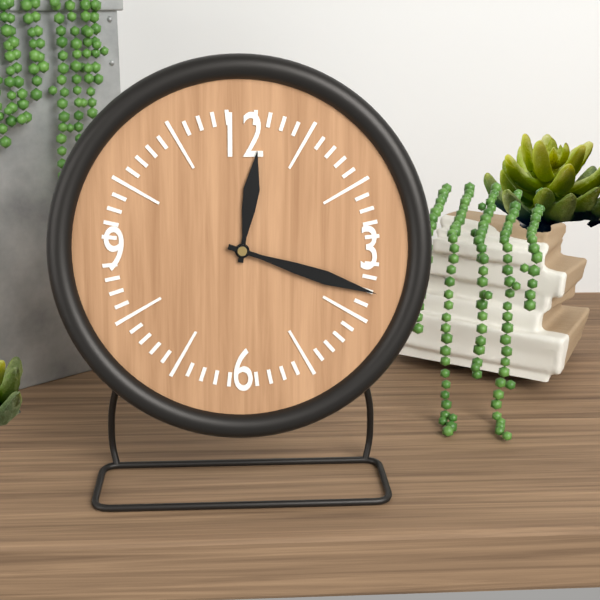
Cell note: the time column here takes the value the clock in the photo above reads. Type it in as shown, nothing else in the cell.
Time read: 12:18
